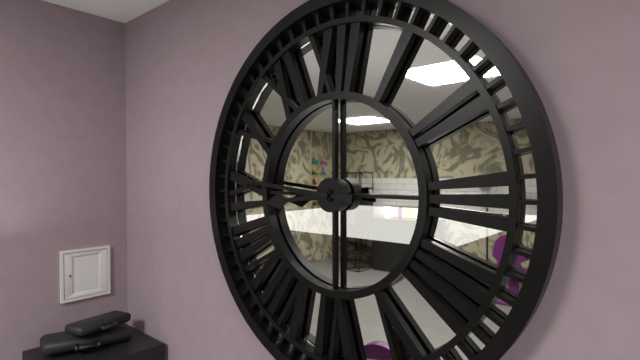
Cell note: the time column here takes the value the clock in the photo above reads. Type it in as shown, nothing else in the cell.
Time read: 8:46
